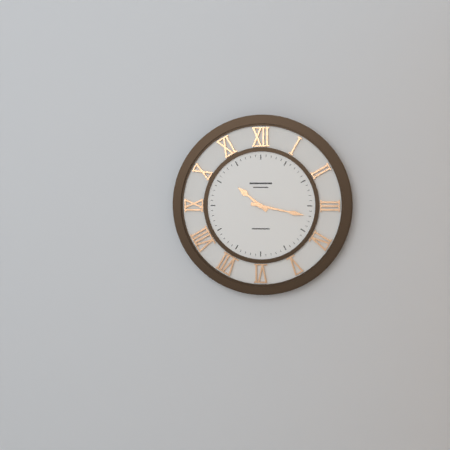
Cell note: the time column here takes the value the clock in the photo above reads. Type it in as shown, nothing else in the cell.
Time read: 10:17
